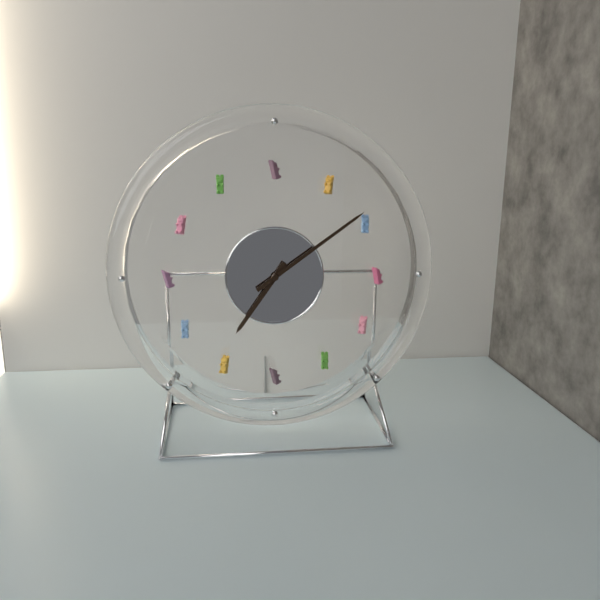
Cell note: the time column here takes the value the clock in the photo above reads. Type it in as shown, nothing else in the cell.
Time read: 7:09
